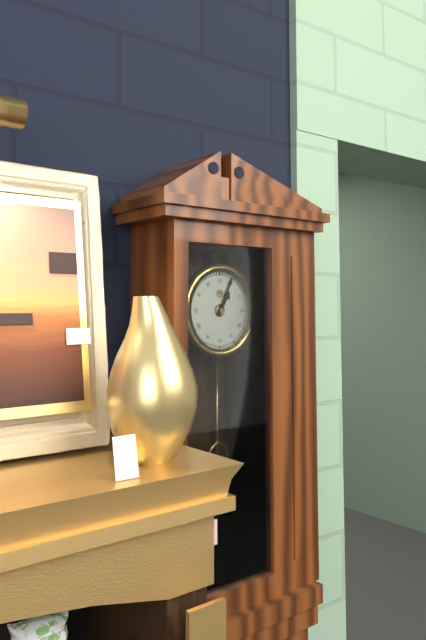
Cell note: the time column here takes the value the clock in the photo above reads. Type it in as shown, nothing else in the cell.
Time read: 1:04
